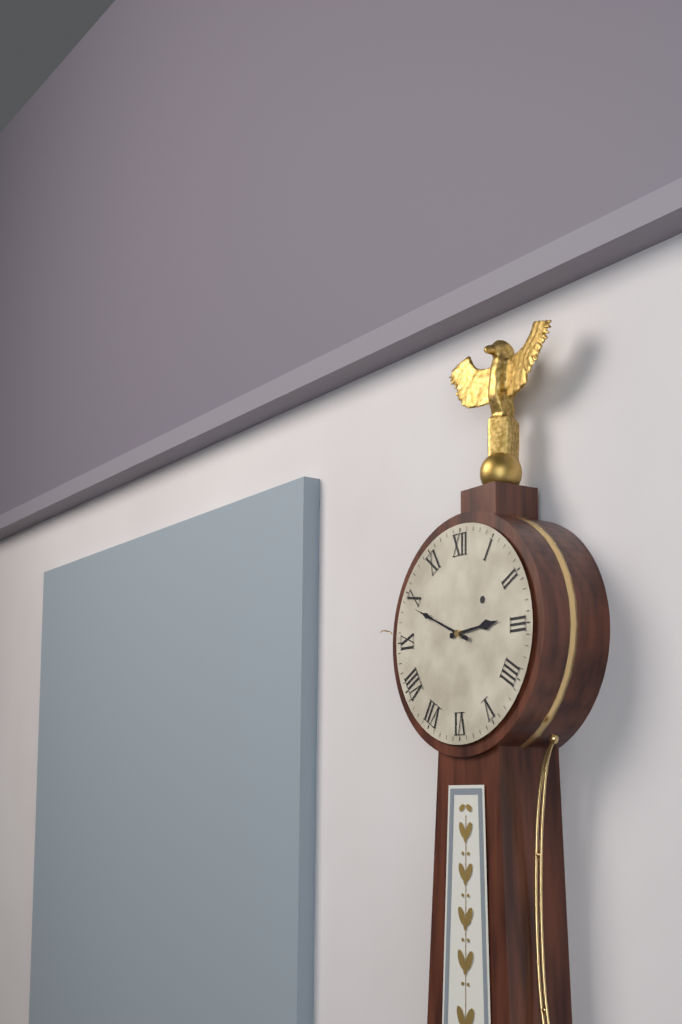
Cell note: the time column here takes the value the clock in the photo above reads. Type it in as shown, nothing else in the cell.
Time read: 2:49
